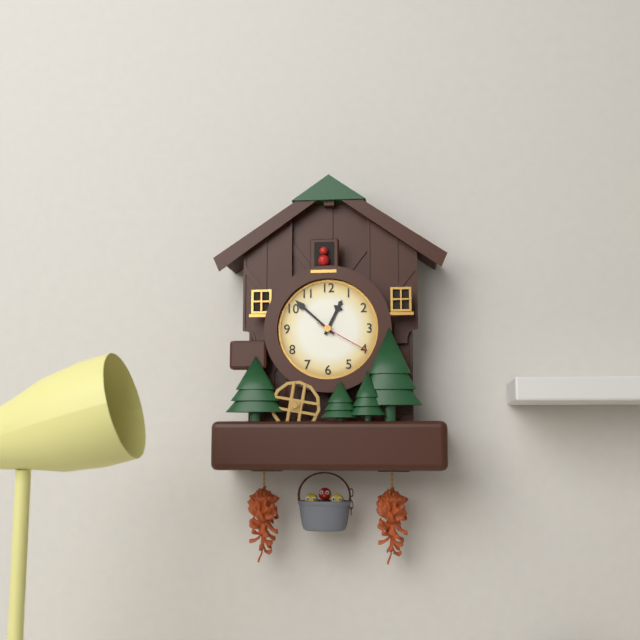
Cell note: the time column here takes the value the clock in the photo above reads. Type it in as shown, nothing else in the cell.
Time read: 12:52:20
